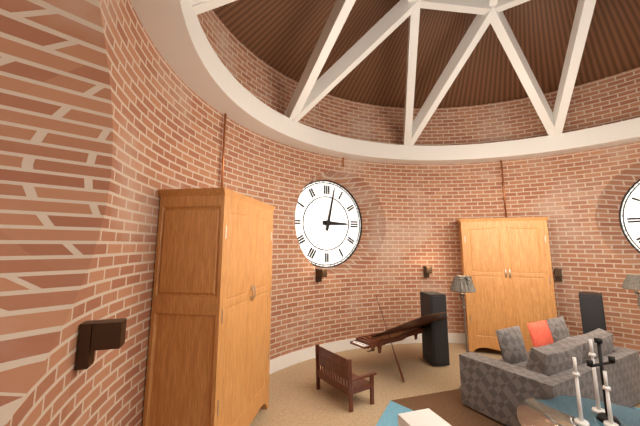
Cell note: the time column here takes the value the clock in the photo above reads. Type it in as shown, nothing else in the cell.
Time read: 3:02
